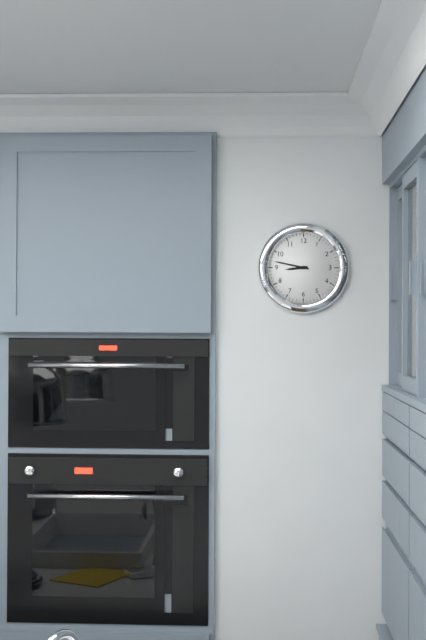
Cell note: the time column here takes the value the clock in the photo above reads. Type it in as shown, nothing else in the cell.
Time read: 8:47
